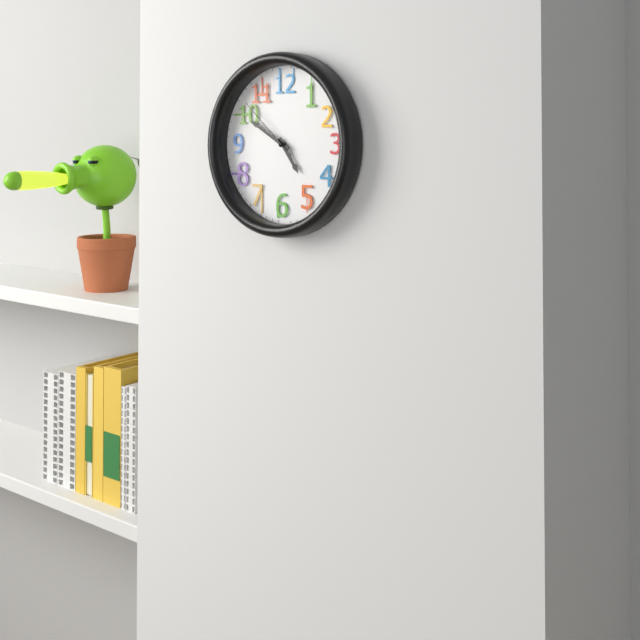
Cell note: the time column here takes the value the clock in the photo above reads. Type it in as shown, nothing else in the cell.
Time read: 4:50:52
